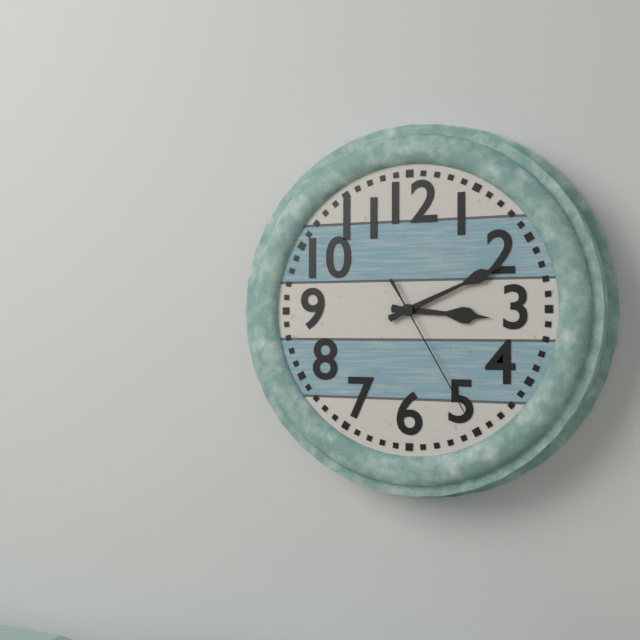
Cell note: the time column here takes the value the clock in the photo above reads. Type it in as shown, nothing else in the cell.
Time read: 3:11:25
